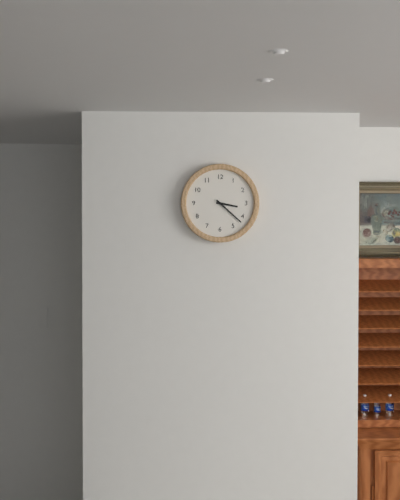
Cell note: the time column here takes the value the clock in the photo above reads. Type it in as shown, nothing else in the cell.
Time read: 3:22
